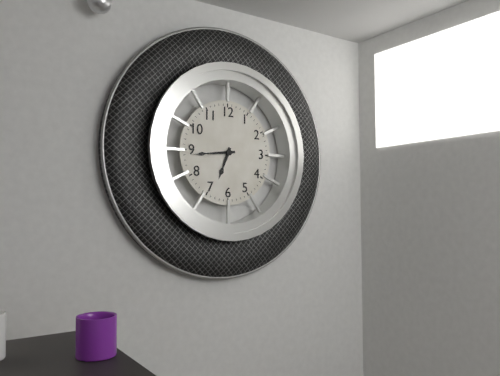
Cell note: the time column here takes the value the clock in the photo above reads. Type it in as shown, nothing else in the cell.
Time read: 6:44
